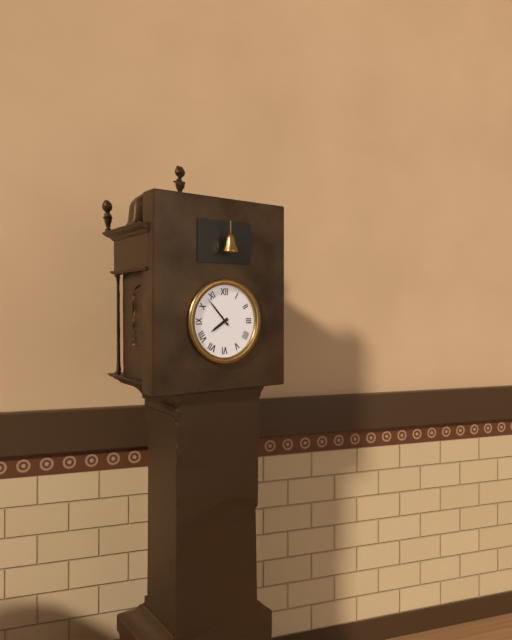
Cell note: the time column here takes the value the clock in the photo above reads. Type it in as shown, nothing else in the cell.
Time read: 7:53
